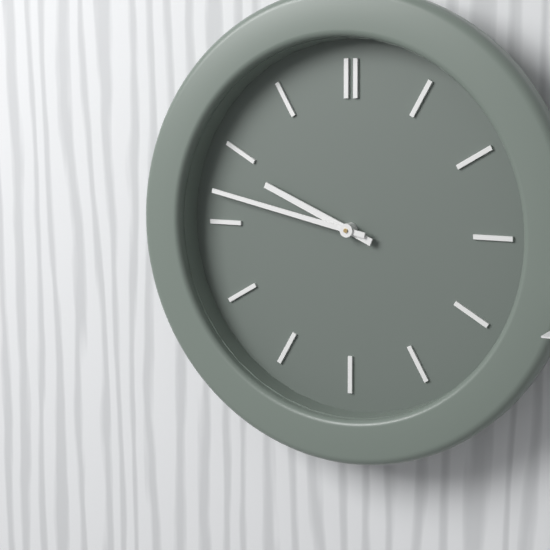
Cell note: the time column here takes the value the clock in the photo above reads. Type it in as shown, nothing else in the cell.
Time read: 9:47
